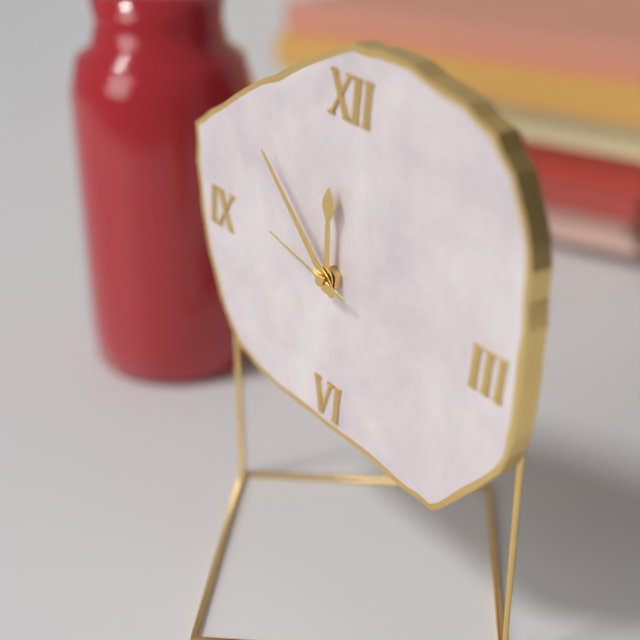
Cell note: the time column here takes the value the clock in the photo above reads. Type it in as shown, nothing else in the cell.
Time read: 11:52:47
